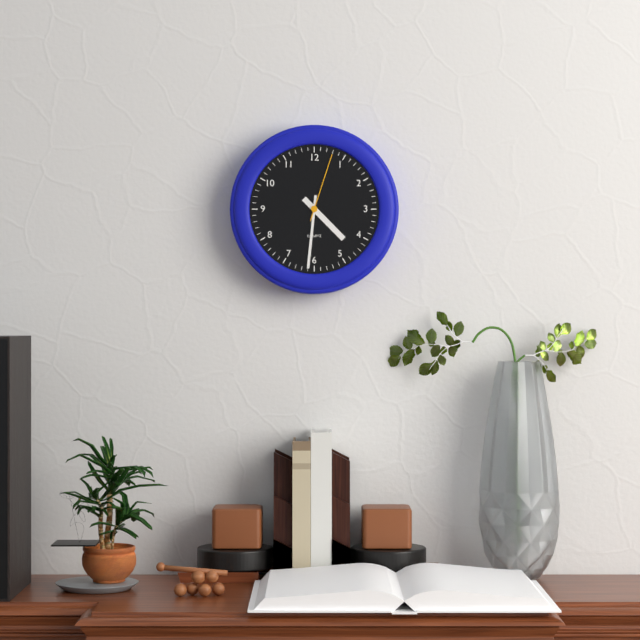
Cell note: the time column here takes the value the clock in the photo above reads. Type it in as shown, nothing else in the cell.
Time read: 4:31:03
